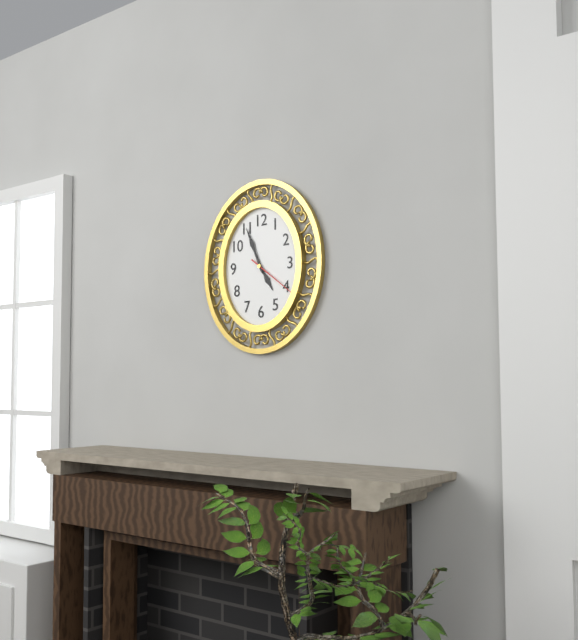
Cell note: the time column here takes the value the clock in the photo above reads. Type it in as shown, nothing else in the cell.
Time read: 4:56
